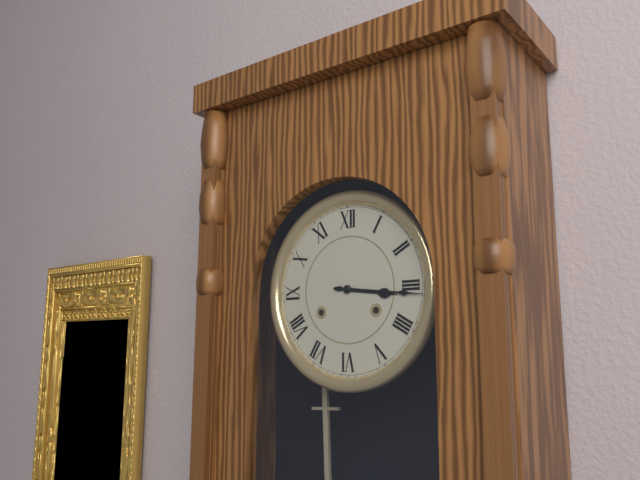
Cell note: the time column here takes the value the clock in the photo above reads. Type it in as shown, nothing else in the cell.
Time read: 3:16
